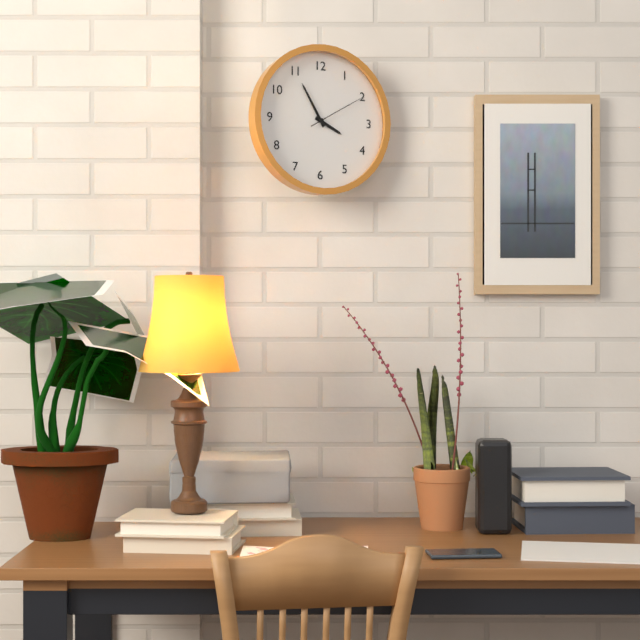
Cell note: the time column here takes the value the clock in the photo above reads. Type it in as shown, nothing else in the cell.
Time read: 3:55:10
